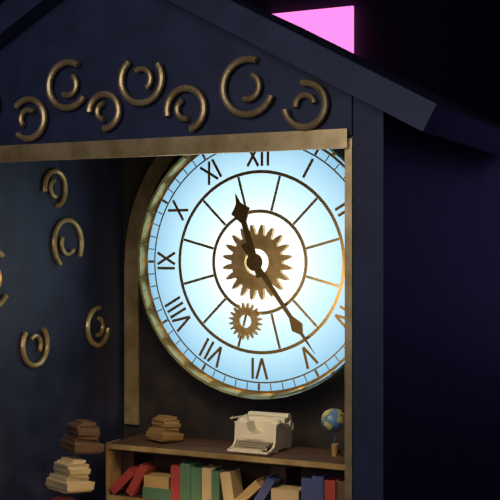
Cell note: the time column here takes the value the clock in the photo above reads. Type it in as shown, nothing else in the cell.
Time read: 11:24
